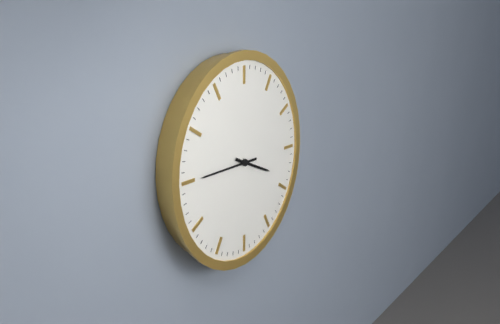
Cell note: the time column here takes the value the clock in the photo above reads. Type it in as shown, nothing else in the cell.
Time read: 3:45
